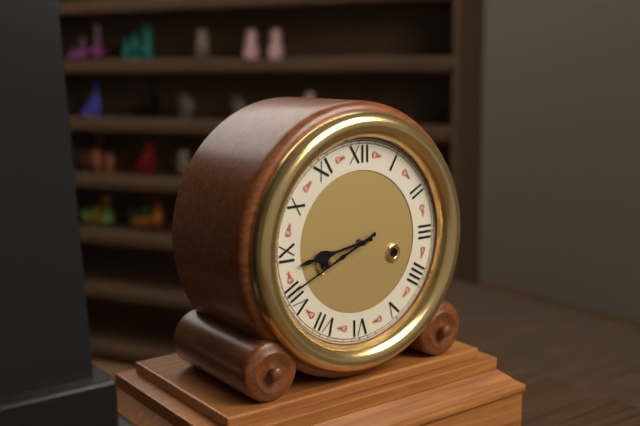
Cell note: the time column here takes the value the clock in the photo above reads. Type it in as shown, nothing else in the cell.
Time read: 8:41
